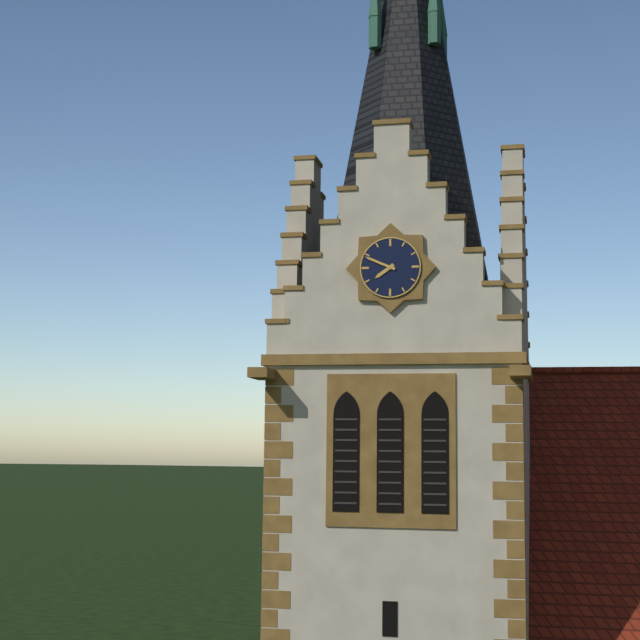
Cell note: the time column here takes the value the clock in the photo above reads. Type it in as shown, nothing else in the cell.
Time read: 7:49
